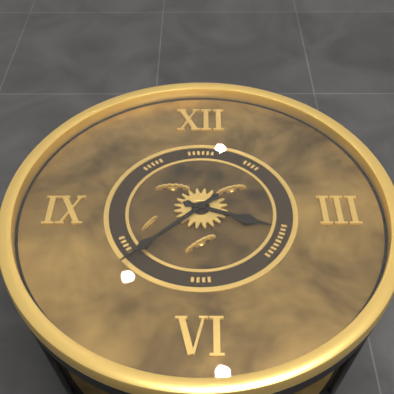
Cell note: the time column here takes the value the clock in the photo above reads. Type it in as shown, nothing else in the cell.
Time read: 3:38
